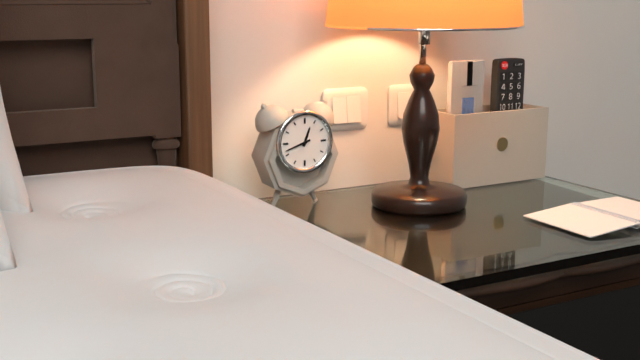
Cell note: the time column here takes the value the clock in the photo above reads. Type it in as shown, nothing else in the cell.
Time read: 12:42
